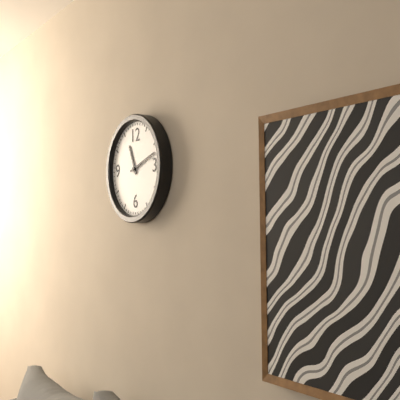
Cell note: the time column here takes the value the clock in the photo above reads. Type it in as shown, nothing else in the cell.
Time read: 11:12
